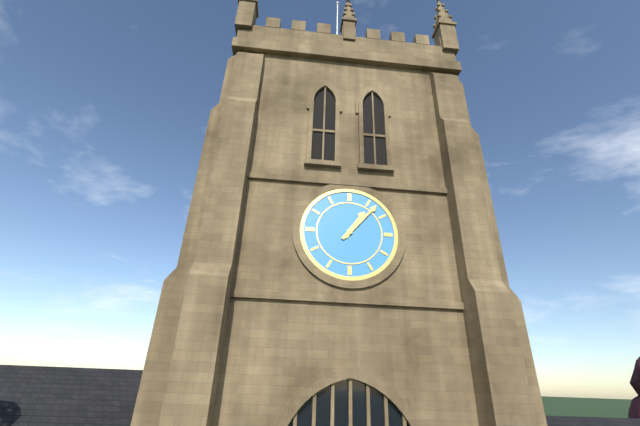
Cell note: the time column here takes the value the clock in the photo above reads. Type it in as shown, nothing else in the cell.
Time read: 1:07
